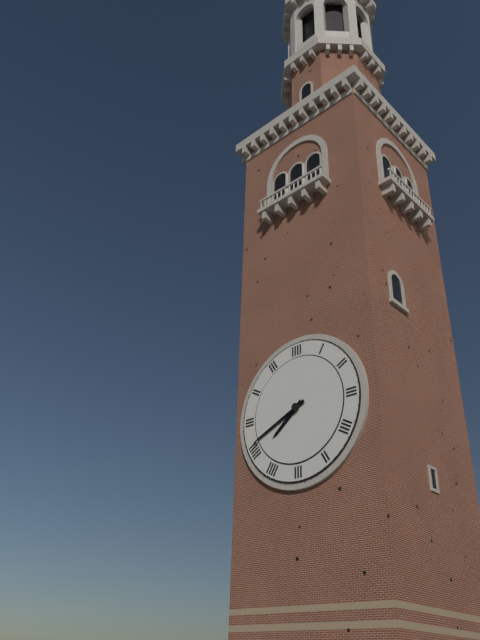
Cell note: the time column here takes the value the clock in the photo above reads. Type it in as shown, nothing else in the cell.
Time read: 7:41
